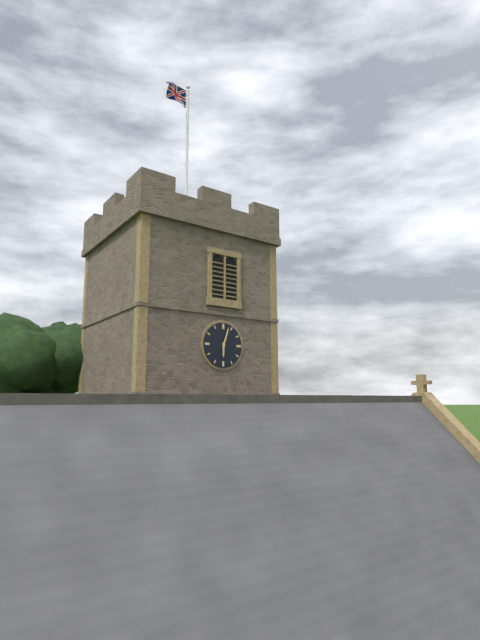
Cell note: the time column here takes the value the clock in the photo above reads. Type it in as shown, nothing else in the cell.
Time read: 6:03
